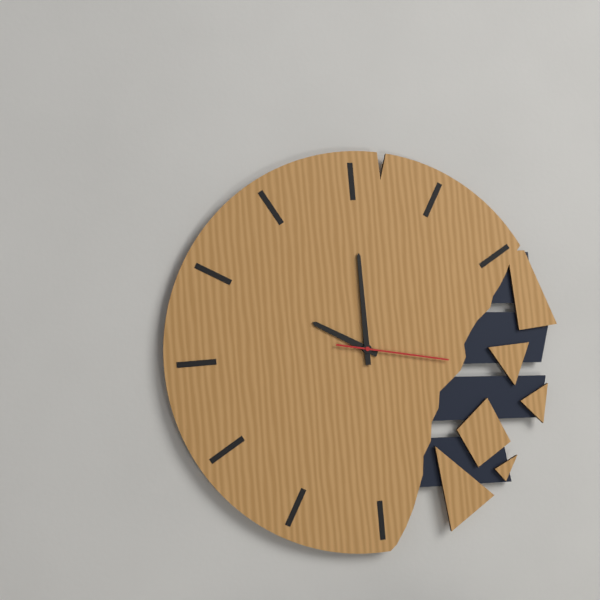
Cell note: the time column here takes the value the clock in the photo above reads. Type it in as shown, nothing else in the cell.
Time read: 10:00:17
